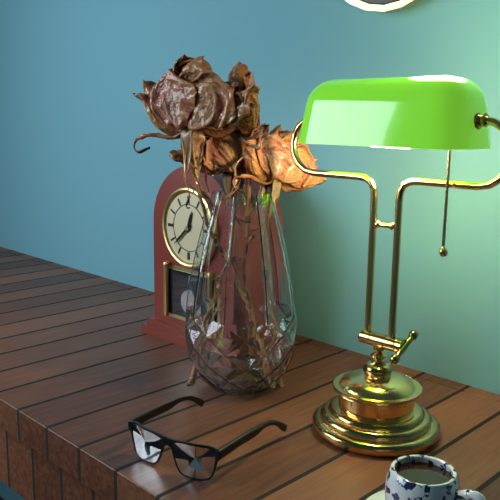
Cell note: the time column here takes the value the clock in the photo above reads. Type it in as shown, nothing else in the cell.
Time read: 12:38
